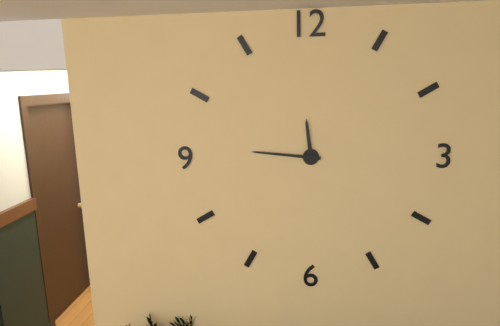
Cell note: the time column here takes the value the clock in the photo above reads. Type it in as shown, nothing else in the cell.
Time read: 11:46
